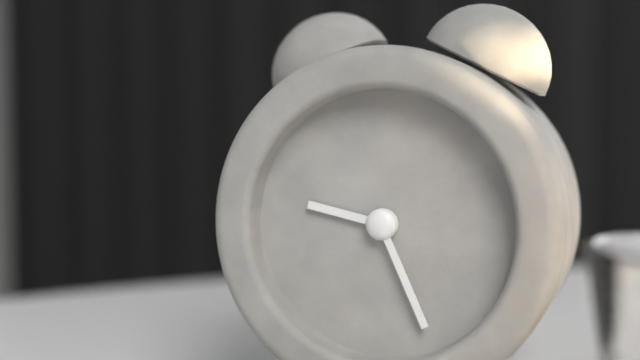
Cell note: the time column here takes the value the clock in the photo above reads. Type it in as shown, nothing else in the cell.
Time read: 9:26
